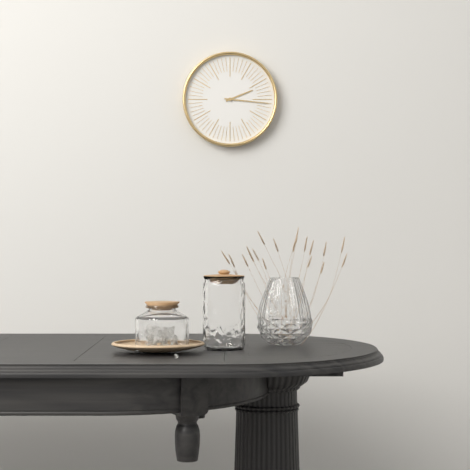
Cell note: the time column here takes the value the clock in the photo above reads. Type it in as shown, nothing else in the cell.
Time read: 2:16
